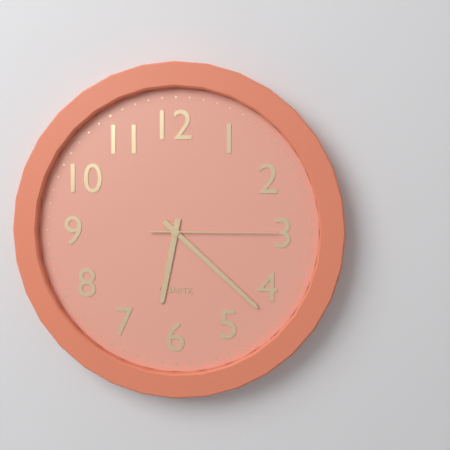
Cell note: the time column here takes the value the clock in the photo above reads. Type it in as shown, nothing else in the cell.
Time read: 6:22:15
